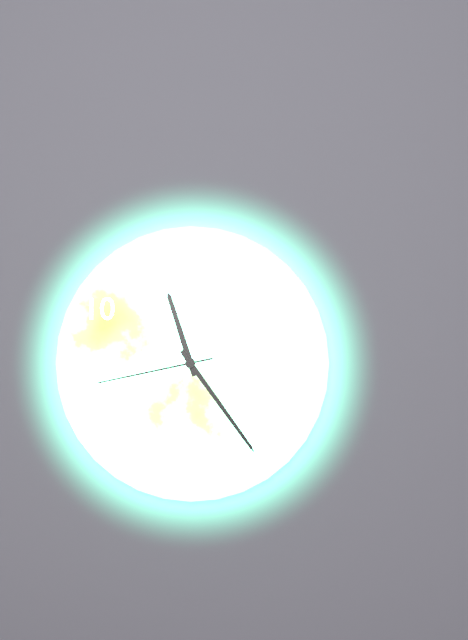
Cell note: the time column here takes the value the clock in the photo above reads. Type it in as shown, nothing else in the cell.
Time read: 11:24:43
